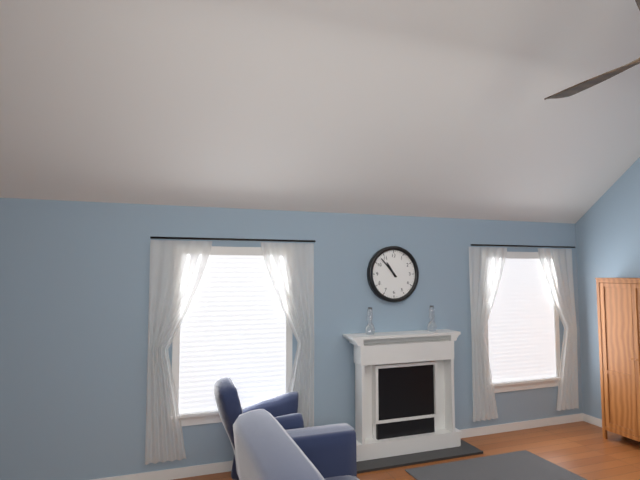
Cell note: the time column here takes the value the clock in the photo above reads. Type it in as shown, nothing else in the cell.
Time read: 10:53
